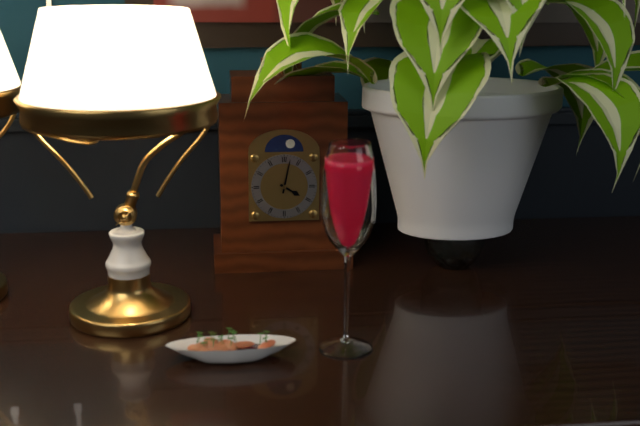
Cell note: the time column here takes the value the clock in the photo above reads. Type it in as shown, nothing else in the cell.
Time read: 4:02
